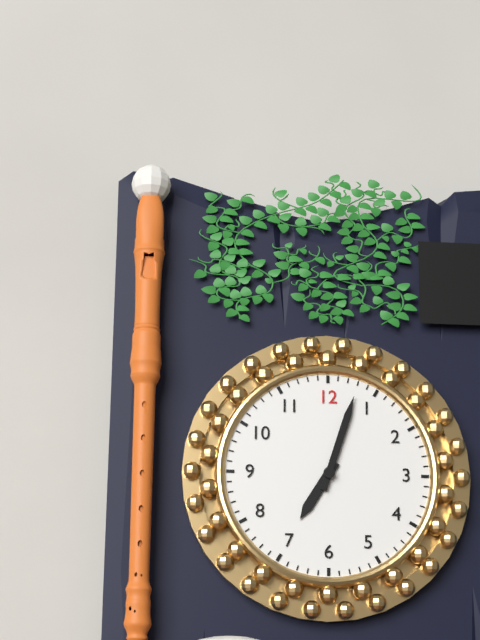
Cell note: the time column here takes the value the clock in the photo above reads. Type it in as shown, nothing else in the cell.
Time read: 7:03
